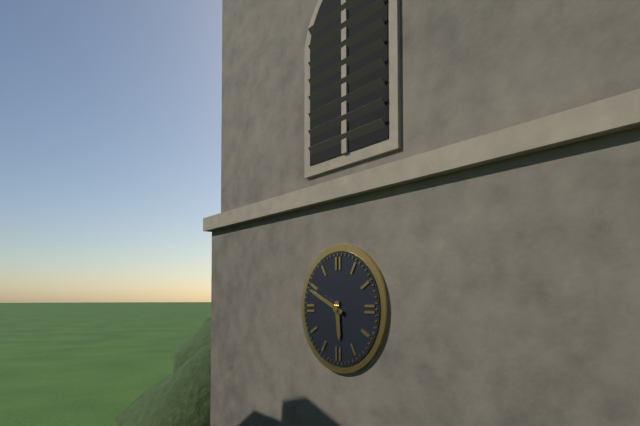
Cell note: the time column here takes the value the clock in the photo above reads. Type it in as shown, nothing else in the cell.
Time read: 5:49
